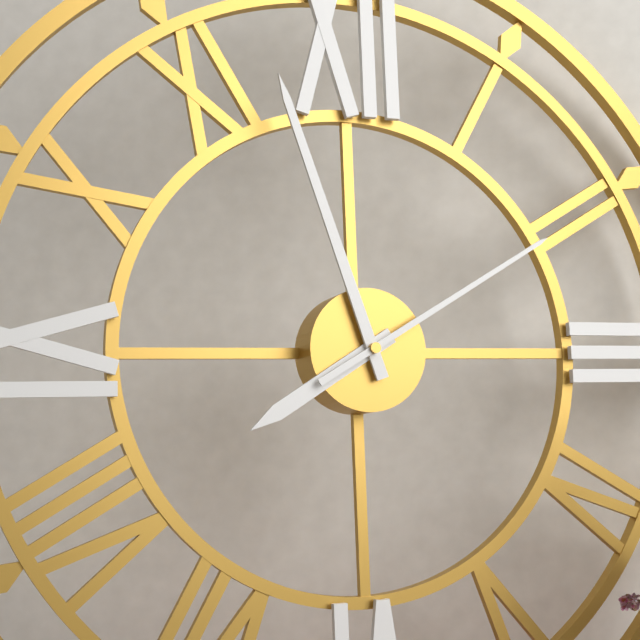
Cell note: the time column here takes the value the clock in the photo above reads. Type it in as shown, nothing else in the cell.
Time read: 7:57:10
